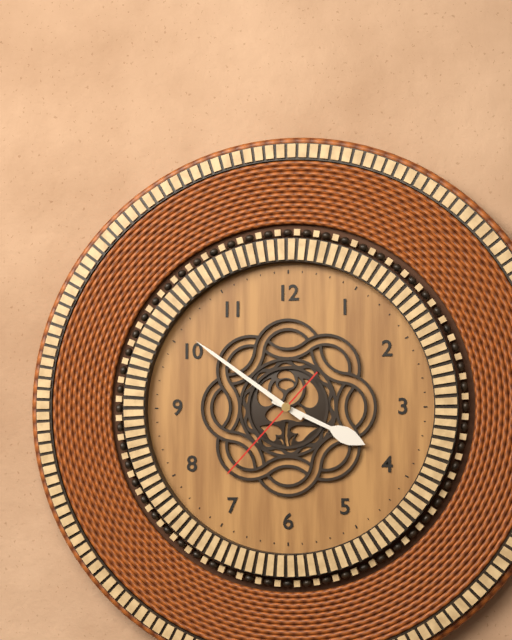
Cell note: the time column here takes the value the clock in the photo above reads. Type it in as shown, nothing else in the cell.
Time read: 3:51:37
